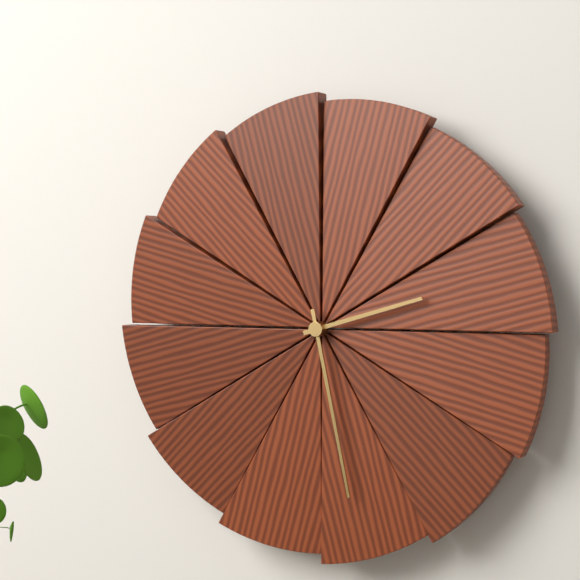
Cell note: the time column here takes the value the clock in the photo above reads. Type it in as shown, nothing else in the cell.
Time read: 2:28
